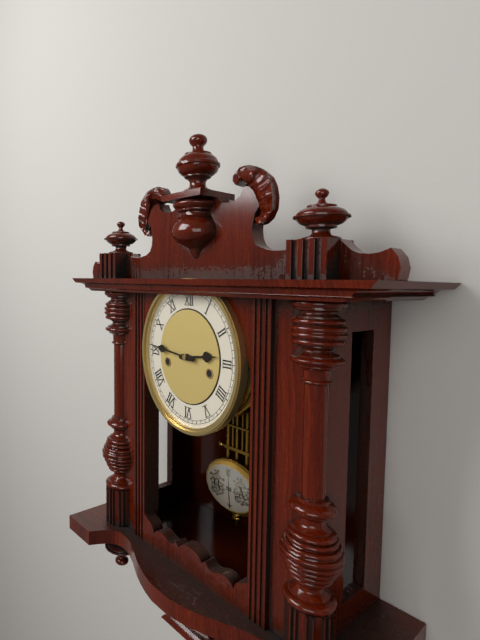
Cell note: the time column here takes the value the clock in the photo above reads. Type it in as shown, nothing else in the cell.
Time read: 2:46
